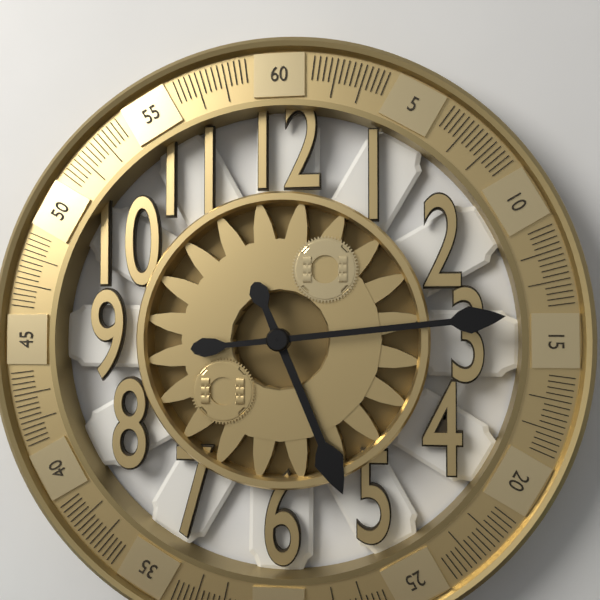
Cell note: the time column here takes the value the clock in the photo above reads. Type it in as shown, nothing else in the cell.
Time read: 5:14
